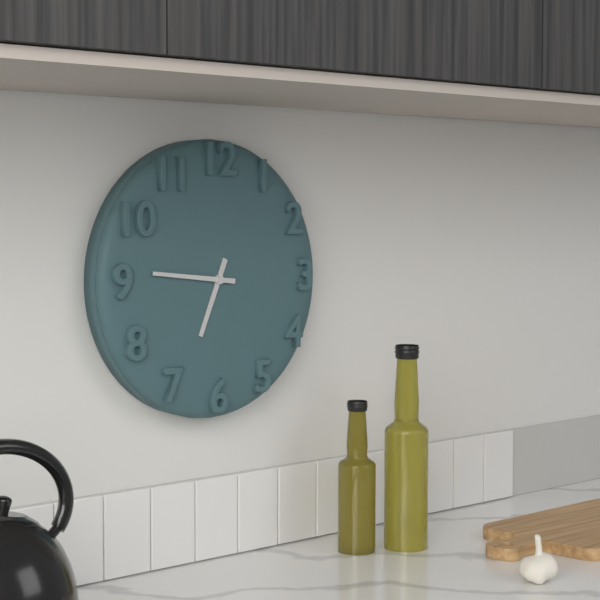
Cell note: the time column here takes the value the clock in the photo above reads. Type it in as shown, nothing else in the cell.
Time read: 6:46
